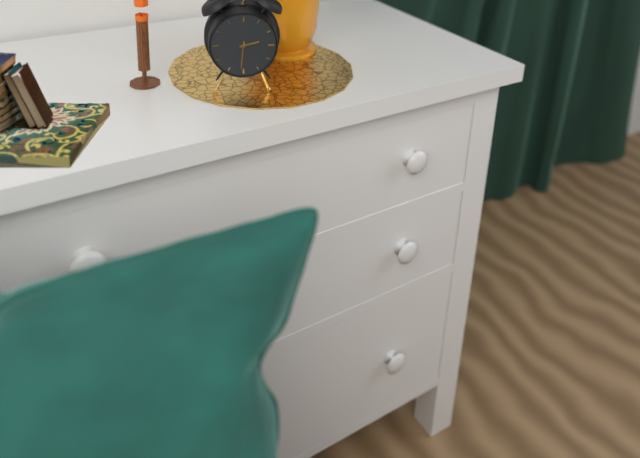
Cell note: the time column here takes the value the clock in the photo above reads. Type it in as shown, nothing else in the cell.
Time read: 2:31
